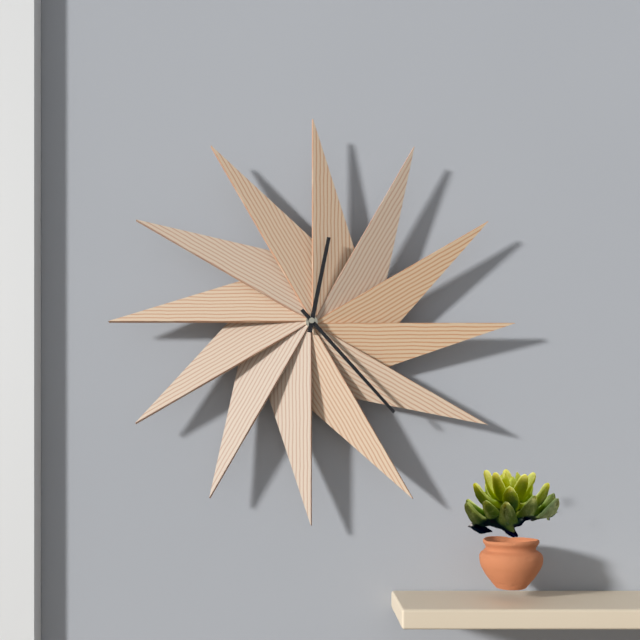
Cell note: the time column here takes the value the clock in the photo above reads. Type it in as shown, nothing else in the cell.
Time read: 12:23
